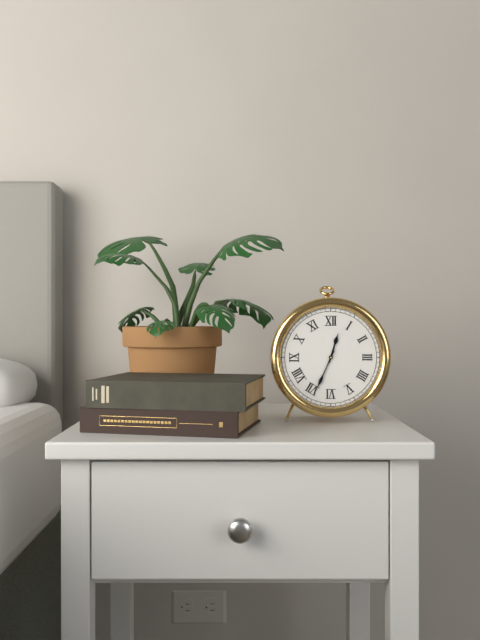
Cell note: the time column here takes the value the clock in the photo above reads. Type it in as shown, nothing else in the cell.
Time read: 12:34
